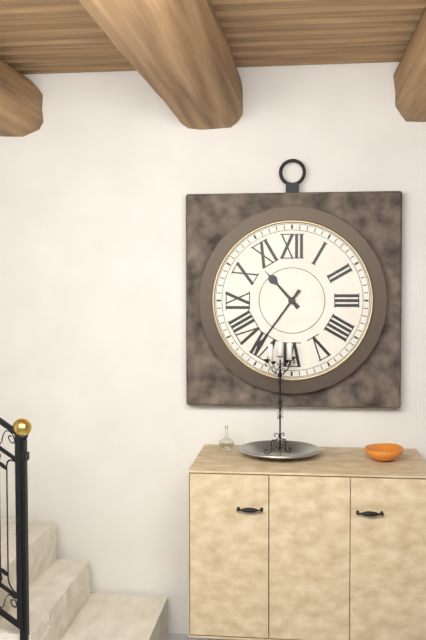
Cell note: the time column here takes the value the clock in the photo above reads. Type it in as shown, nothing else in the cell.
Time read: 10:36
